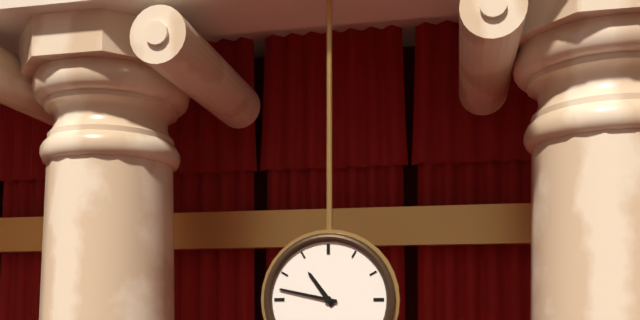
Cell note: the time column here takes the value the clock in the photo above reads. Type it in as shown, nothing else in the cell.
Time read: 10:47
